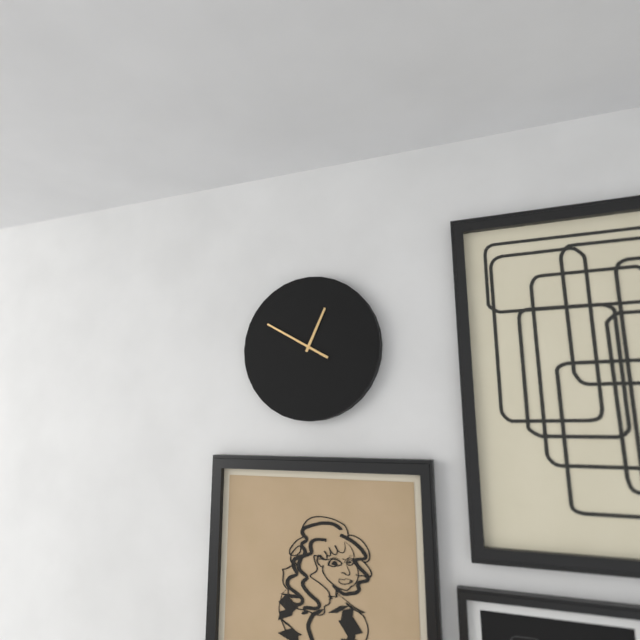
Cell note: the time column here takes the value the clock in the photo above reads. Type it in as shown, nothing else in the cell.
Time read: 12:50
